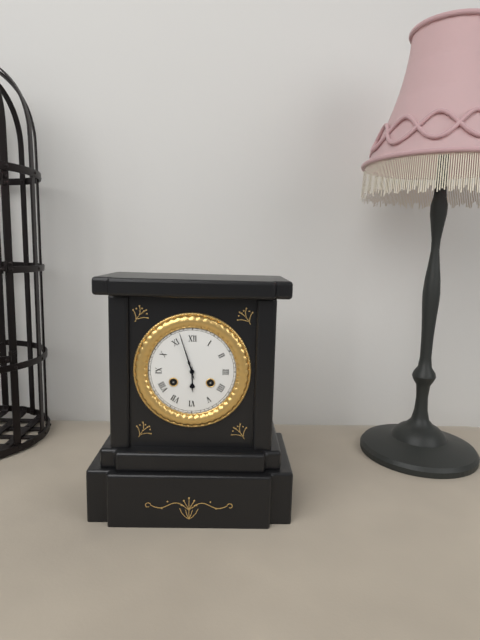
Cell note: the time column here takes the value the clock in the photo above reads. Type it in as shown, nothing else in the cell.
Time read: 5:57
